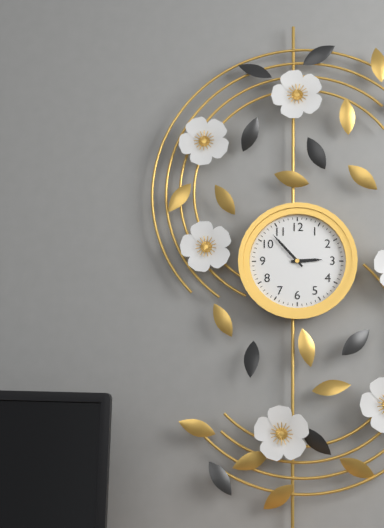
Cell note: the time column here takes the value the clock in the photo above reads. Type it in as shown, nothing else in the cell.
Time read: 2:53
